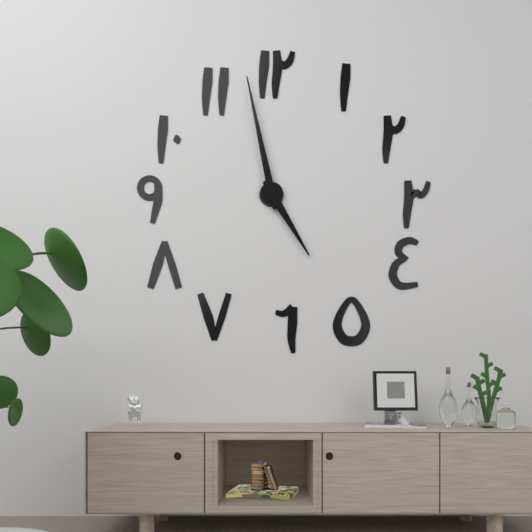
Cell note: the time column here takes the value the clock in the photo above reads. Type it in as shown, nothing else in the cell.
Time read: 4:58
